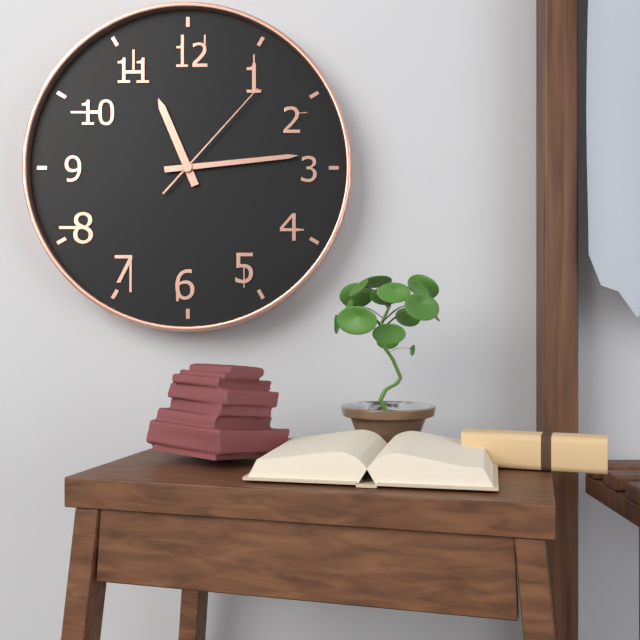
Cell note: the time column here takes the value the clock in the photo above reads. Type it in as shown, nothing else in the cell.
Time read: 11:14:07
